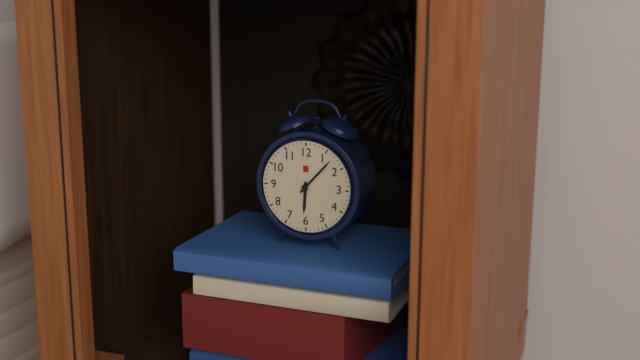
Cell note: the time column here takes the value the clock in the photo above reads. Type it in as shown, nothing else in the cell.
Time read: 6:07
